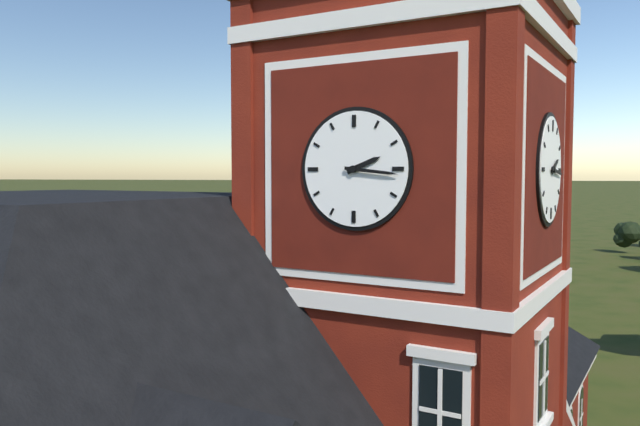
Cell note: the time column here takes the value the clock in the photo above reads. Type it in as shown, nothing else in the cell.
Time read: 2:16
